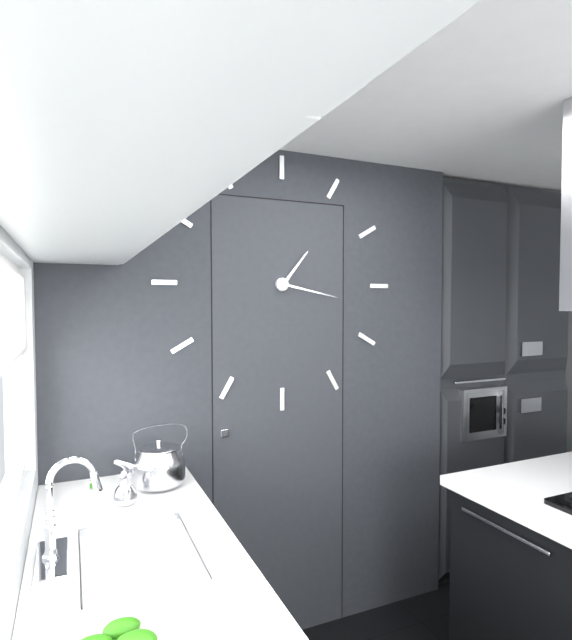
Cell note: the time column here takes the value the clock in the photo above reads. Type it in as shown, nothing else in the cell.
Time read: 1:17
